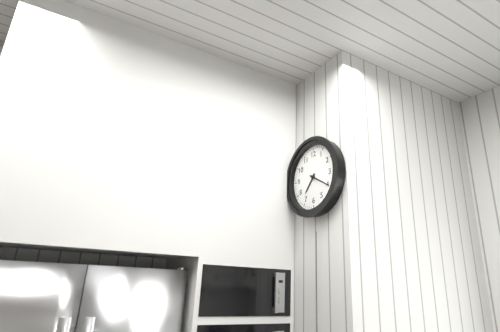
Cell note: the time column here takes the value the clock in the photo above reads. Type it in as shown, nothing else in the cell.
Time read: 7:20
